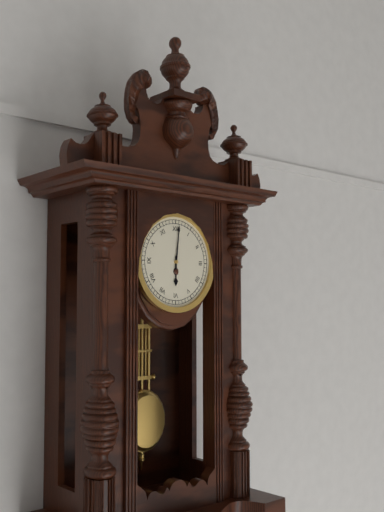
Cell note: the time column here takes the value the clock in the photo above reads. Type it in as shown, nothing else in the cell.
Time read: 6:01
